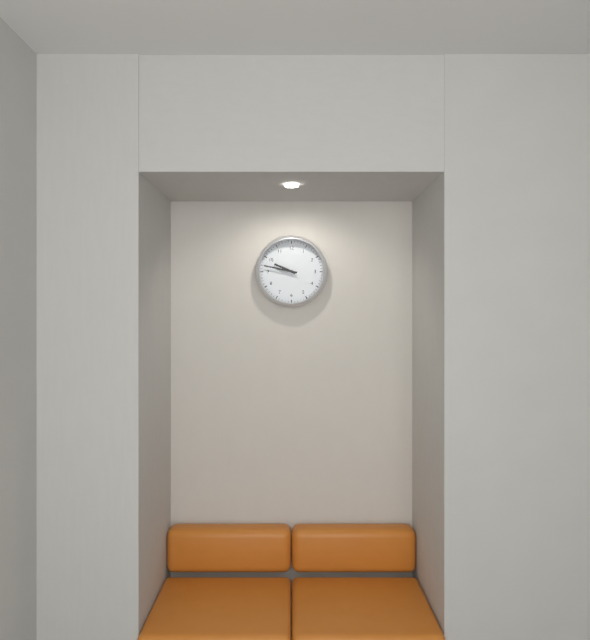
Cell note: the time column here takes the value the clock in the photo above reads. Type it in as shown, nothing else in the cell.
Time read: 9:47
